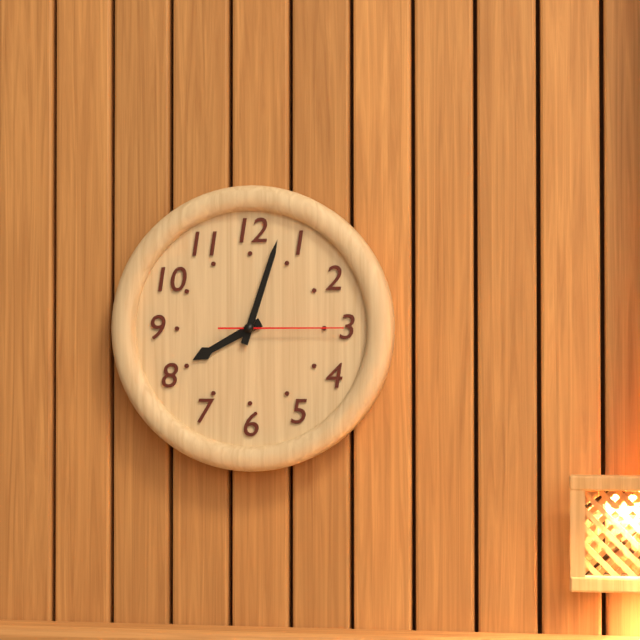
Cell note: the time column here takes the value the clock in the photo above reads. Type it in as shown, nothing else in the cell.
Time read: 8:03:15
